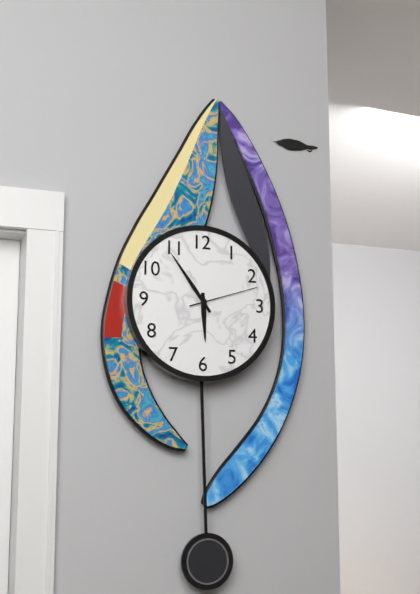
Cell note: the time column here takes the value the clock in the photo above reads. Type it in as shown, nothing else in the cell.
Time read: 5:54:12
